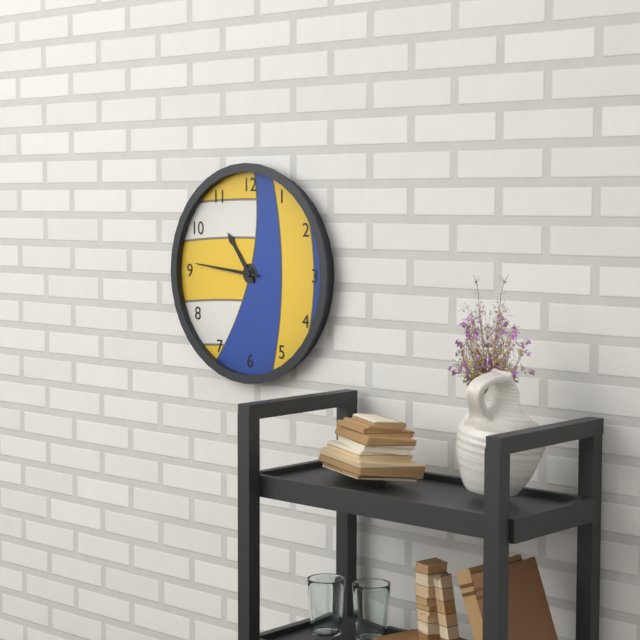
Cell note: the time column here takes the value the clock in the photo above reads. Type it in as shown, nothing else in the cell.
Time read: 10:46
